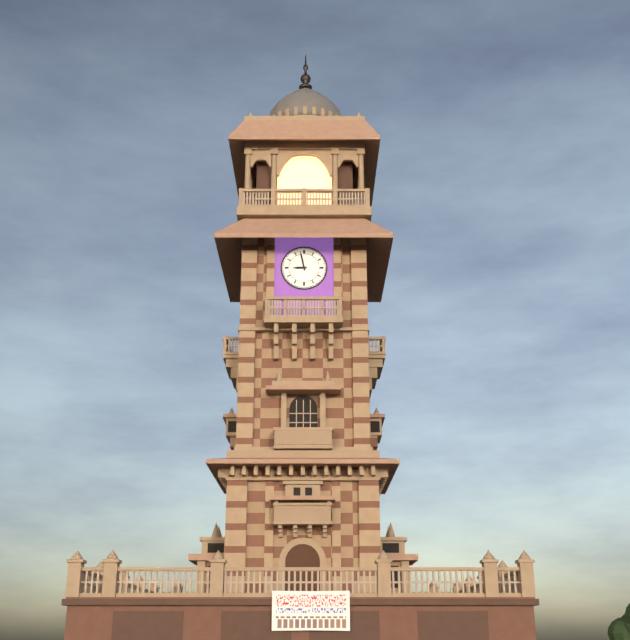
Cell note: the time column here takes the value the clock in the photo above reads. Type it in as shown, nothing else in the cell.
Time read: 8:58
